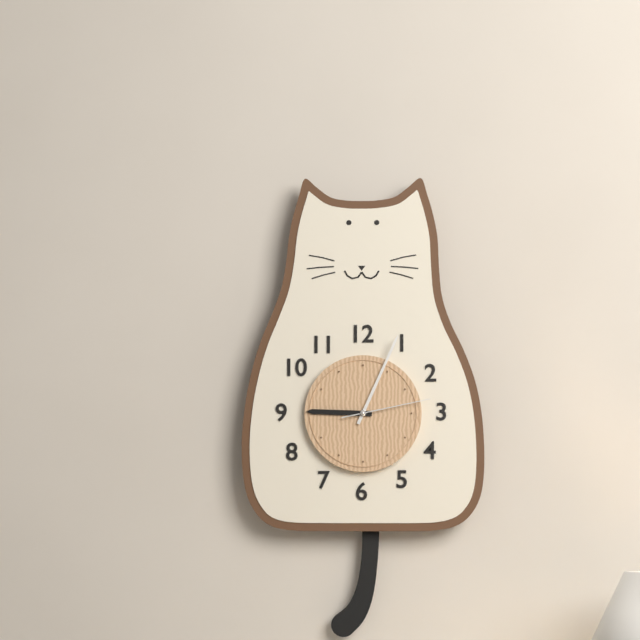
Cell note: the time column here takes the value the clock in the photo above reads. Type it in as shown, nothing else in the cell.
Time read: 9:04:13
